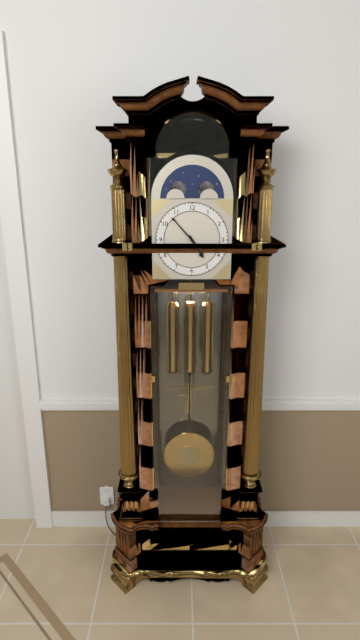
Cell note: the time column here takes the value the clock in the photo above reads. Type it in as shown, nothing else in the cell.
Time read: 4:53
